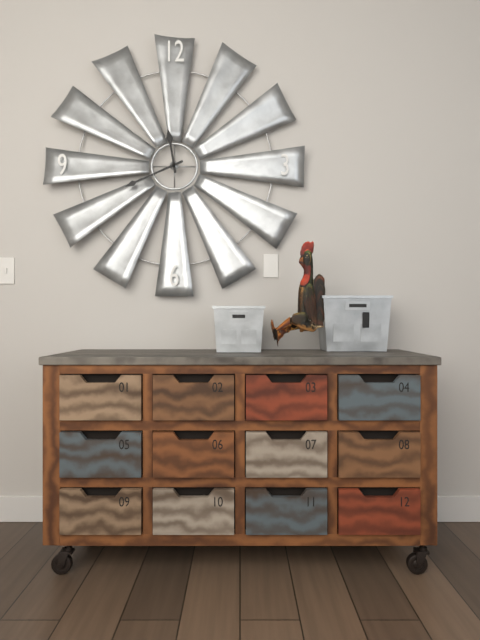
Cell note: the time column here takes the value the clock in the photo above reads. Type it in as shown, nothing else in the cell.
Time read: 11:41
